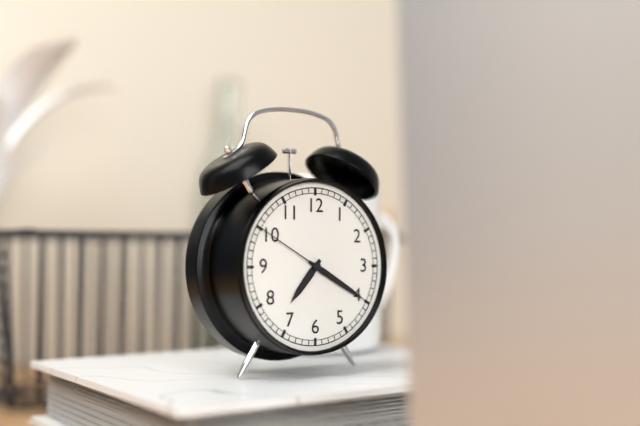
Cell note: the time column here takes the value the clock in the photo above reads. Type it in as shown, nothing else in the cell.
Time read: 7:20:50
